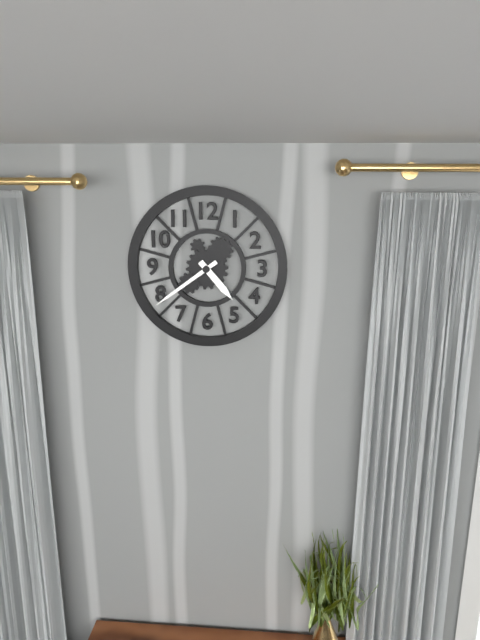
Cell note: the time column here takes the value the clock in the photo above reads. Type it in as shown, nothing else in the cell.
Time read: 4:39
